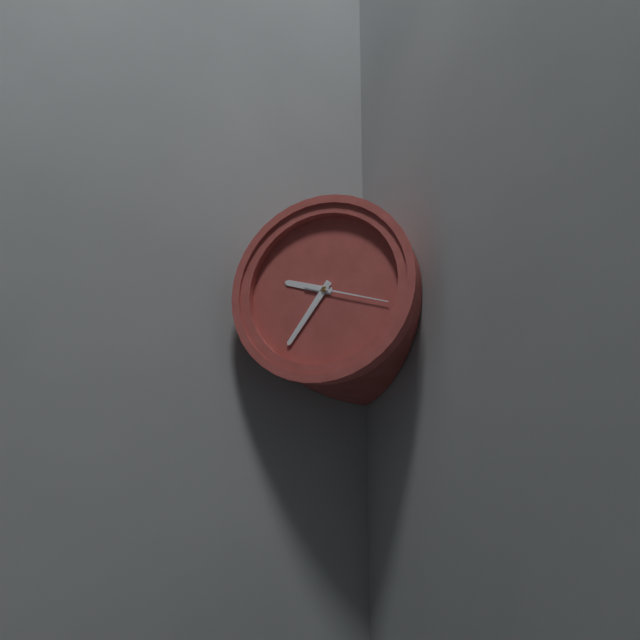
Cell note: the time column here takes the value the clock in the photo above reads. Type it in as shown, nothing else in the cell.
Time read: 9:36:18
